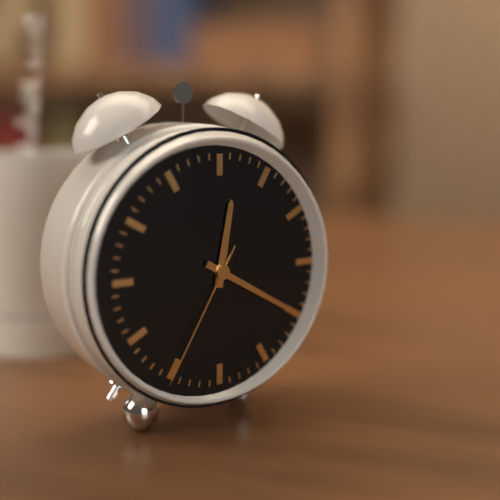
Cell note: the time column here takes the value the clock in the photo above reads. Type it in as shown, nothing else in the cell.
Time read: 12:20:35
